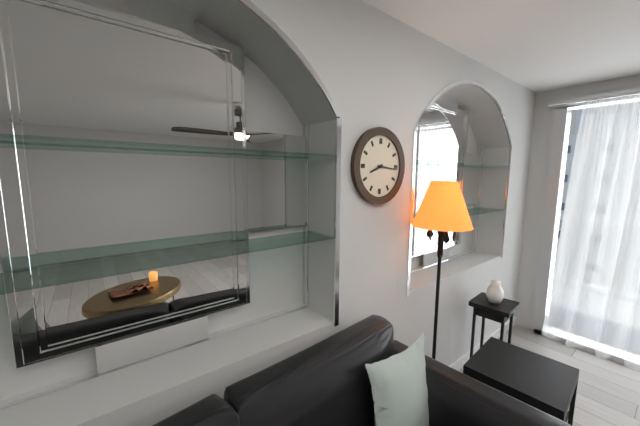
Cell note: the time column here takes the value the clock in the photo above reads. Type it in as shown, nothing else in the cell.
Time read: 8:16
